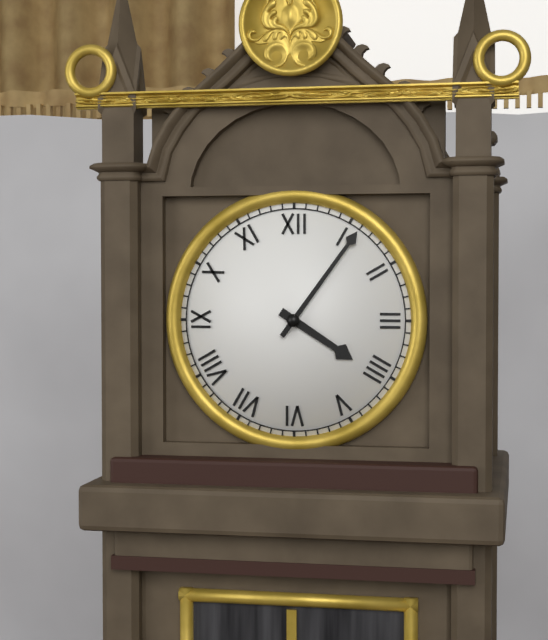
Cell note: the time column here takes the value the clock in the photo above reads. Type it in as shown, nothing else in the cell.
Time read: 4:06
